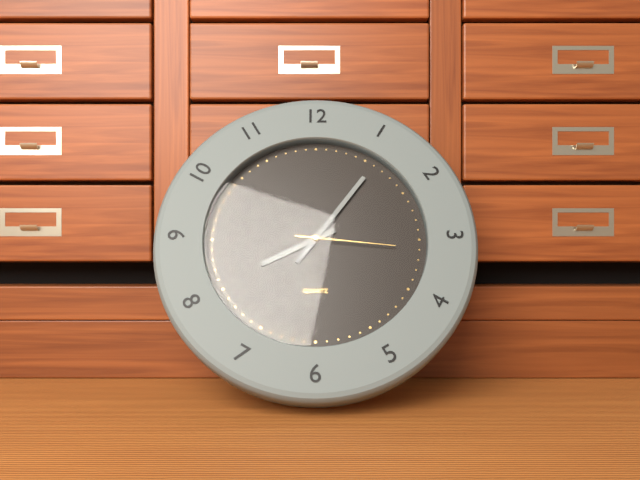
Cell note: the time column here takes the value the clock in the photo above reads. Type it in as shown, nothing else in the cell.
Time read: 8:06:16
